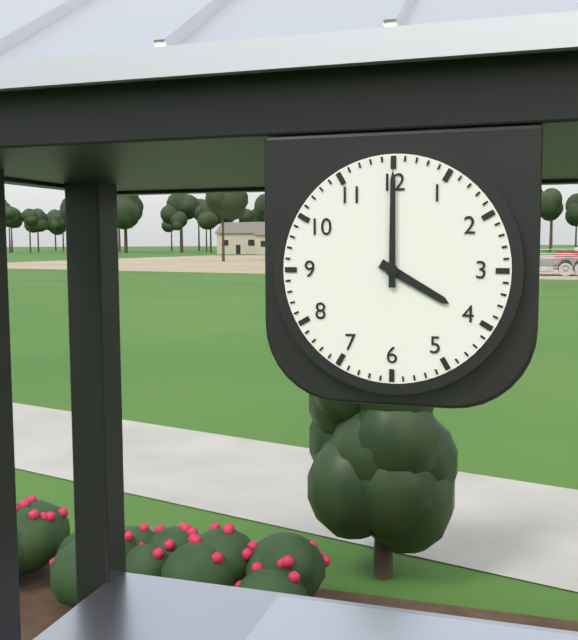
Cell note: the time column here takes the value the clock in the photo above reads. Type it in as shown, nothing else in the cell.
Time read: 4:00
